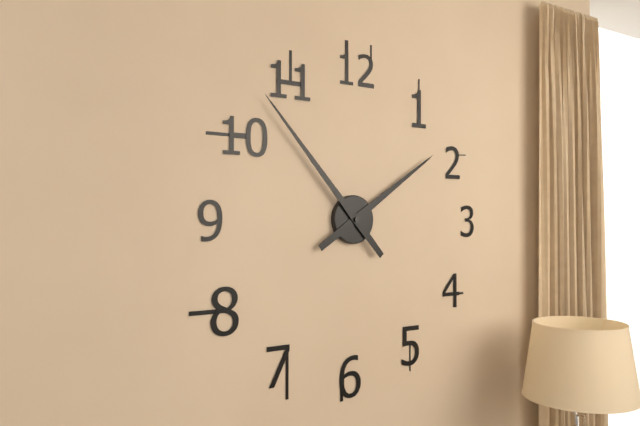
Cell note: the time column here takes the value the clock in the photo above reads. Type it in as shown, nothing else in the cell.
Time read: 1:53
